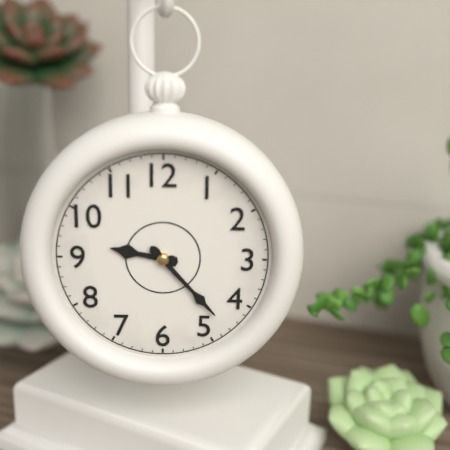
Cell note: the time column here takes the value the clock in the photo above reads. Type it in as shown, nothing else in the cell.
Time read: 9:23
